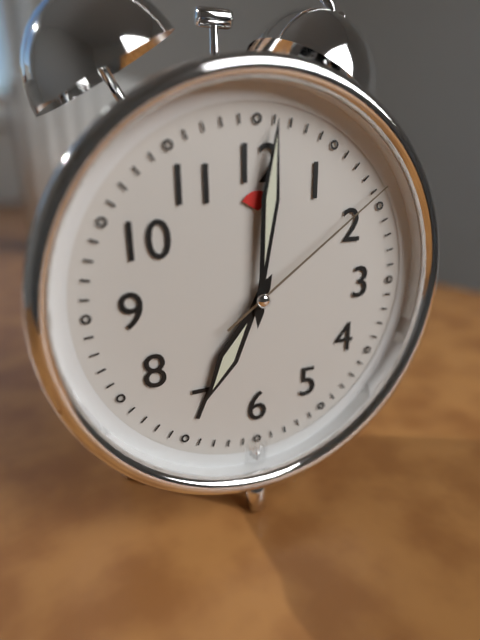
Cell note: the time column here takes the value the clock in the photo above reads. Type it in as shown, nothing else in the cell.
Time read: 7:01:09
